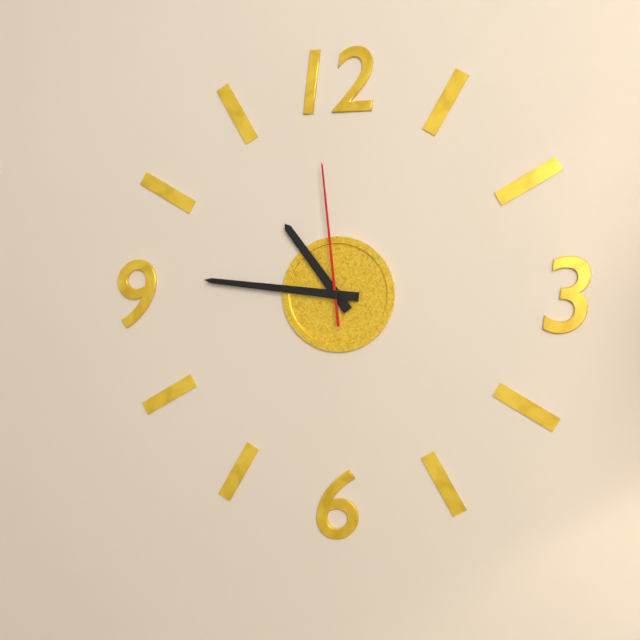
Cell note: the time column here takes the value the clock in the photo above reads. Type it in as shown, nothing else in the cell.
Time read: 10:46:59
